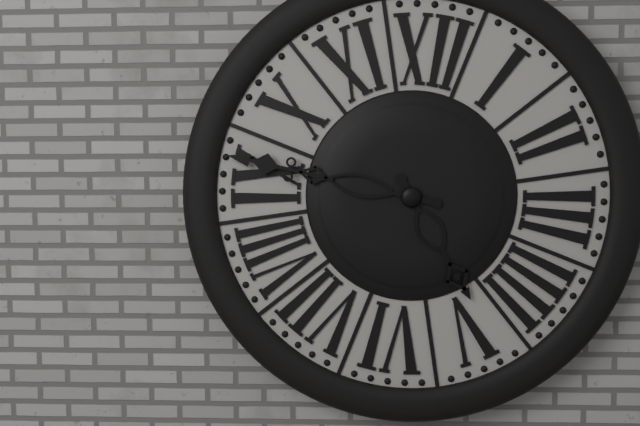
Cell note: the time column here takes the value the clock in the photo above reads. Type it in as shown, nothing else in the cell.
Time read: 4:46
